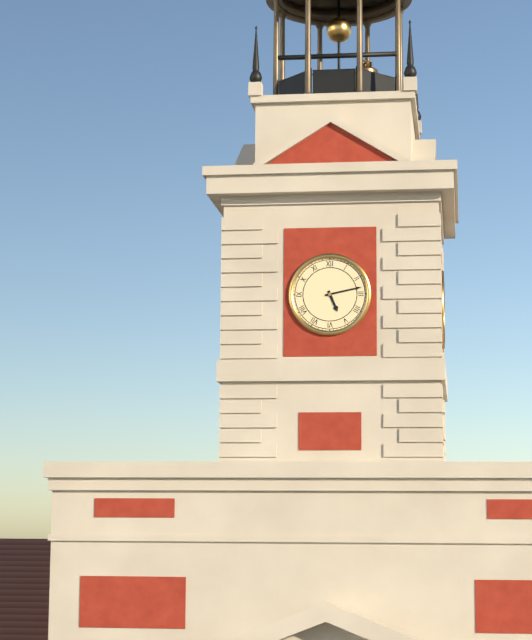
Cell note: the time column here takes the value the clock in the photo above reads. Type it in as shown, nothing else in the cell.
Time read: 5:13
